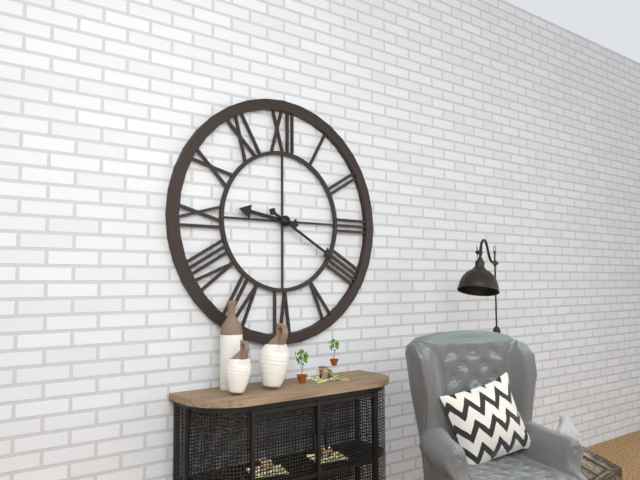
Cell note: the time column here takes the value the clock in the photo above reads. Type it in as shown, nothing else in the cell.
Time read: 9:20
